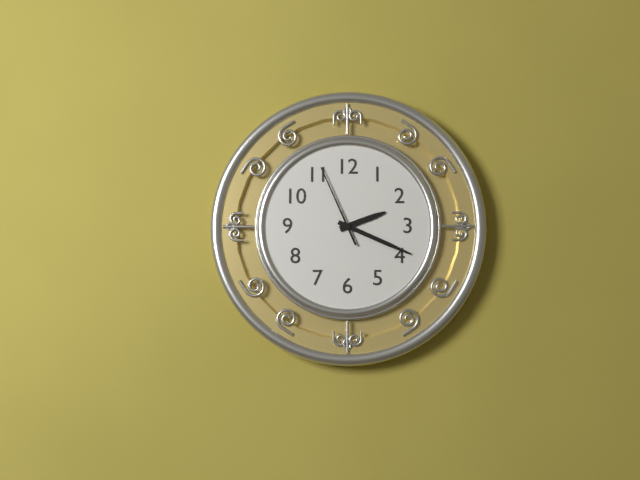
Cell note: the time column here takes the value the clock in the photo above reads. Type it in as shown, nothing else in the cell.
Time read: 2:19:56
